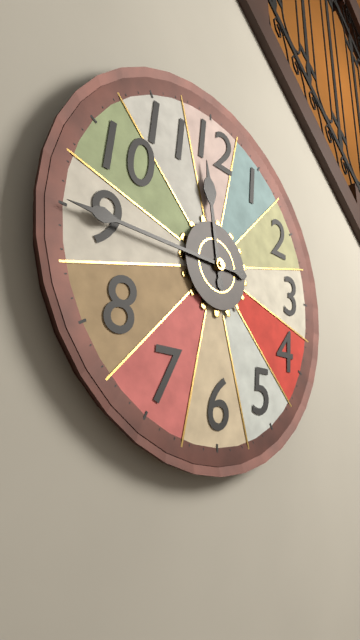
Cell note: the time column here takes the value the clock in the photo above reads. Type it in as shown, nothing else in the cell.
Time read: 11:45
